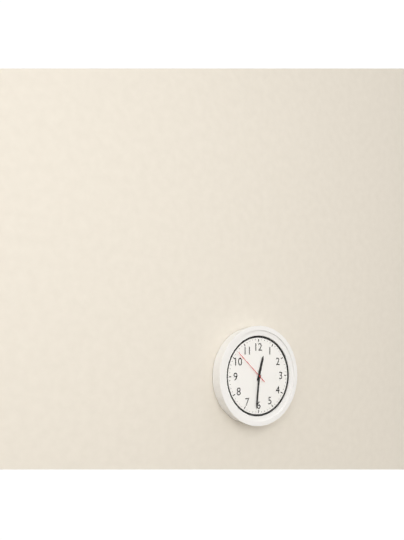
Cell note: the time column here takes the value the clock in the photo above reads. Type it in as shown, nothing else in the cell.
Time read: 12:31
